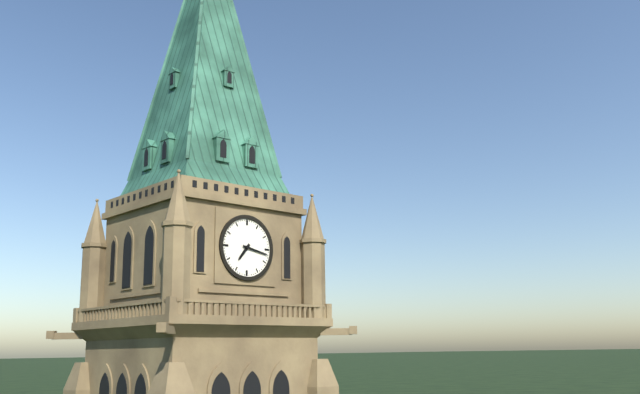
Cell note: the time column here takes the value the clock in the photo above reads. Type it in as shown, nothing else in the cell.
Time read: 7:17
